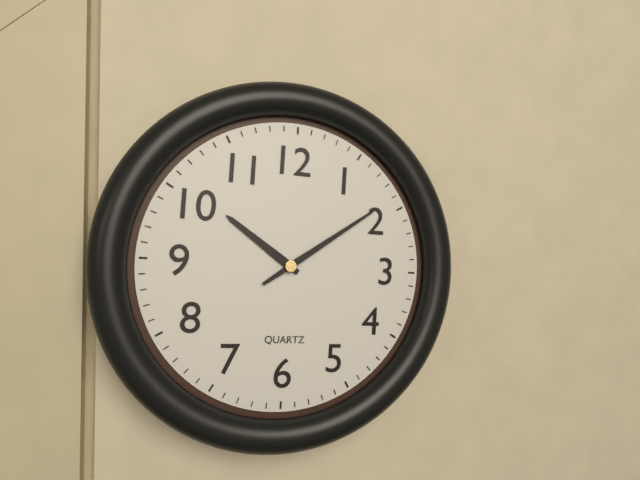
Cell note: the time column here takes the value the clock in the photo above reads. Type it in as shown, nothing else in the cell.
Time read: 10:09
